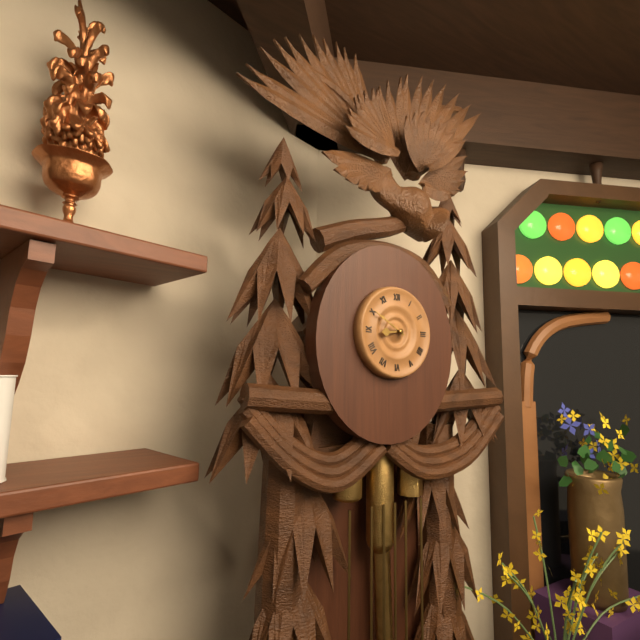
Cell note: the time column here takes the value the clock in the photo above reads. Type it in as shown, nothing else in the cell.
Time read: 8:50
